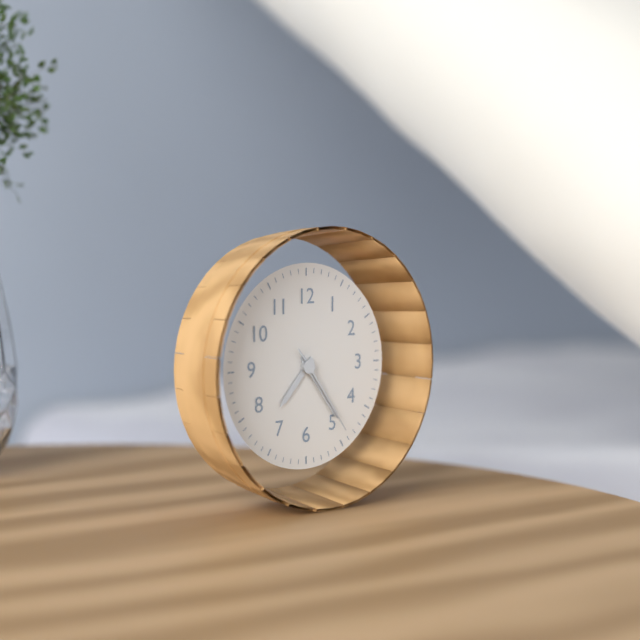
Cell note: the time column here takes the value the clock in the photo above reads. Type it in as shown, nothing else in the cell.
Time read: 7:24:24
